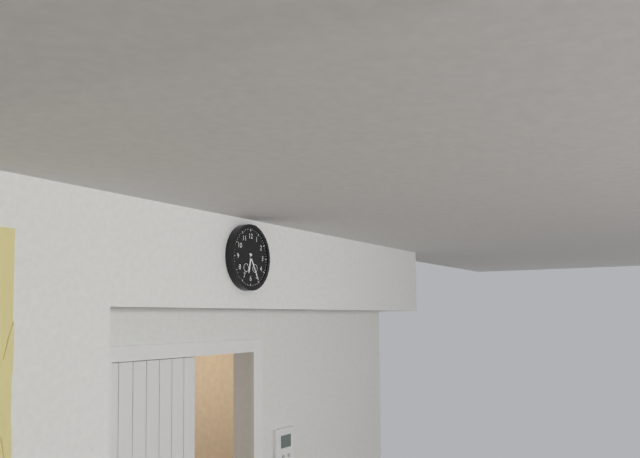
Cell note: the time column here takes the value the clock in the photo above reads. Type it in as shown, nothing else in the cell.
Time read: 6:25
